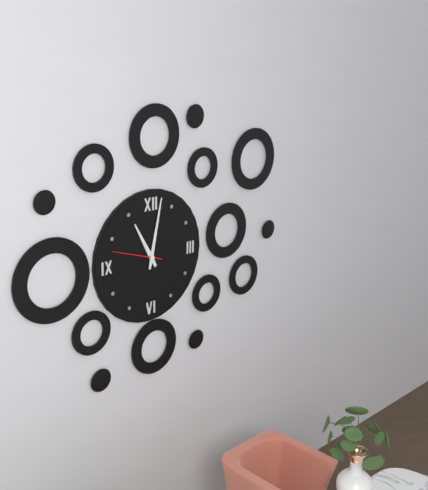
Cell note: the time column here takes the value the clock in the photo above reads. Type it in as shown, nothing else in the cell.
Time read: 11:02:48
